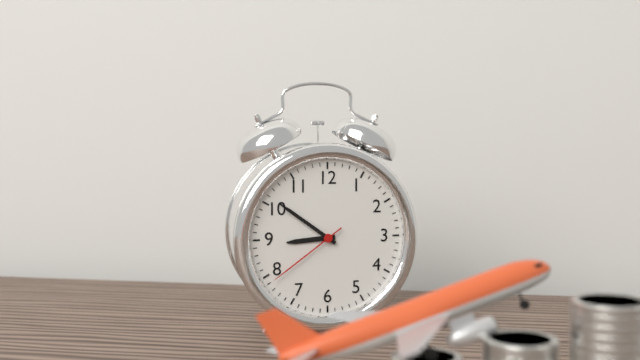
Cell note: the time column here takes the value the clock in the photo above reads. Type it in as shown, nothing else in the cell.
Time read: 8:51:39
